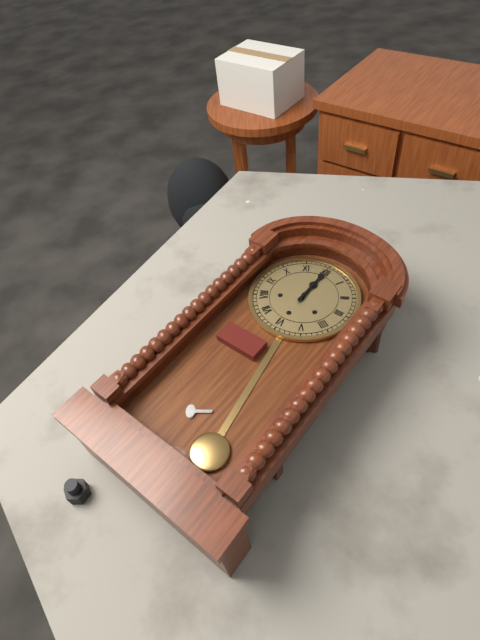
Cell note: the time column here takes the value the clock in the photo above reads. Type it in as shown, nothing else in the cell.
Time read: 12:00
